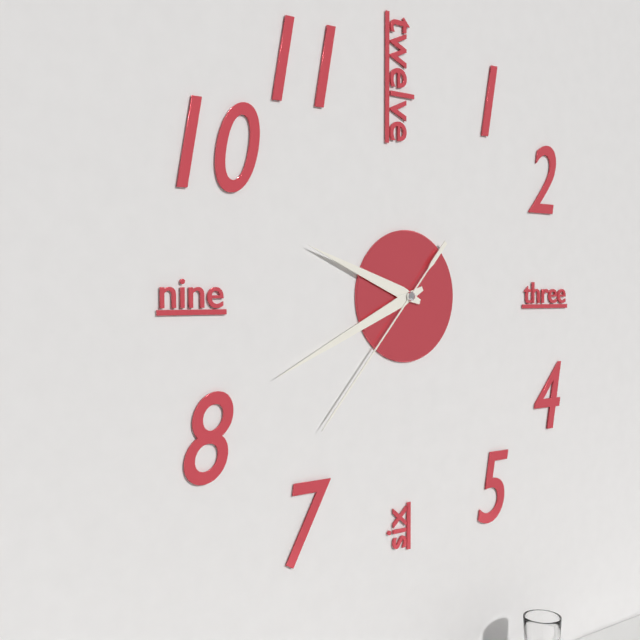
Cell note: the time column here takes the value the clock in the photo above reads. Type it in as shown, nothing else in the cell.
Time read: 9:41:37
